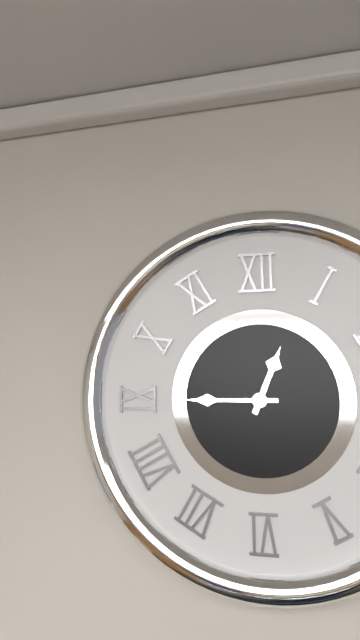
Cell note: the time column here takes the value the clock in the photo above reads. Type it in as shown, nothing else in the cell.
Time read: 12:45
